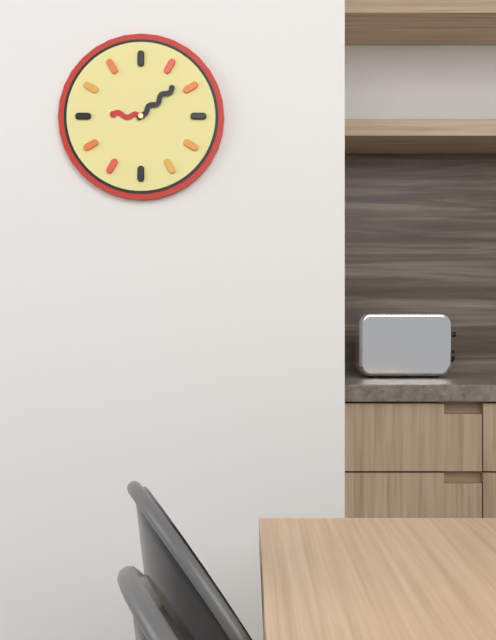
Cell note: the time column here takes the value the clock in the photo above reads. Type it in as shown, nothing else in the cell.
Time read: 9:08
